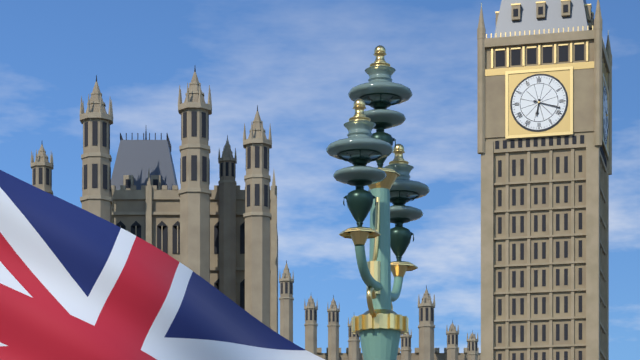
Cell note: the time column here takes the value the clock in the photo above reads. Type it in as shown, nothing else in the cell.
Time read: 6:18
